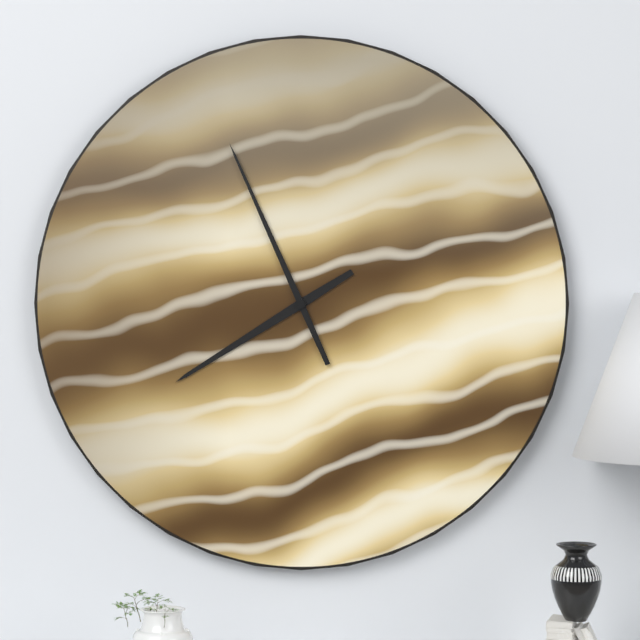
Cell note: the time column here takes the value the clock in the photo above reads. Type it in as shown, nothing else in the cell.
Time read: 7:56
